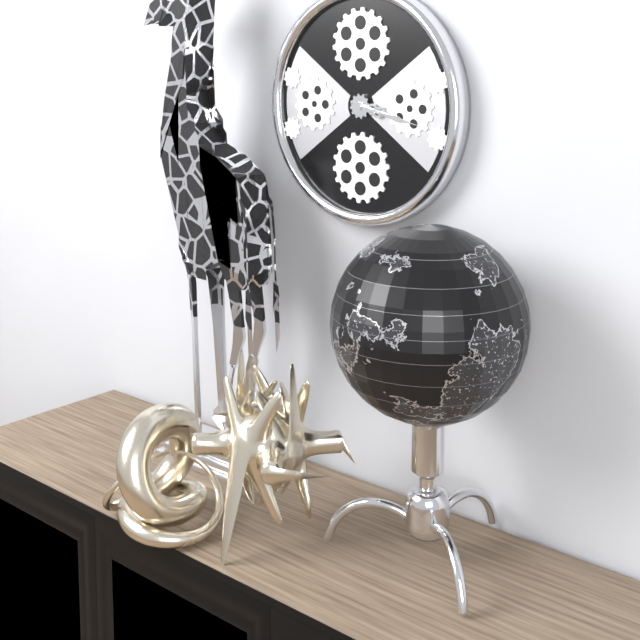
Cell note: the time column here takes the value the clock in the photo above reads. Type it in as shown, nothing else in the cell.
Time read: 3:17
